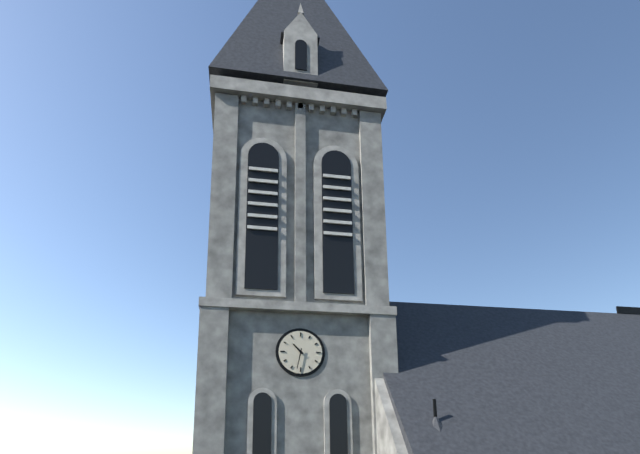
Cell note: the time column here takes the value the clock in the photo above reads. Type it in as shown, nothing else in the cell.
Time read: 10:32
